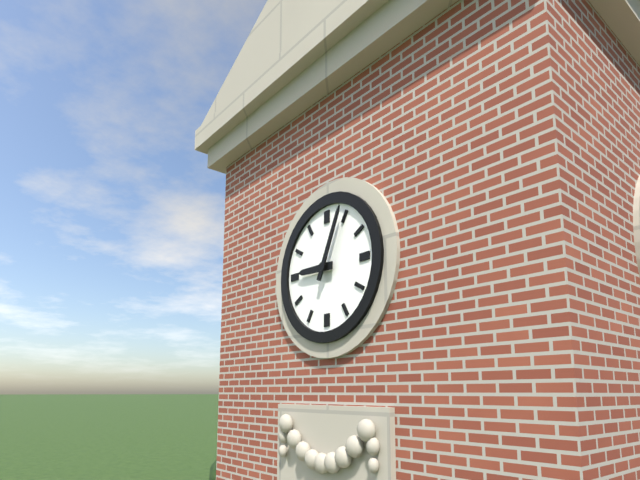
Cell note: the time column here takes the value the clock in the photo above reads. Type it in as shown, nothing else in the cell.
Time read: 9:04
